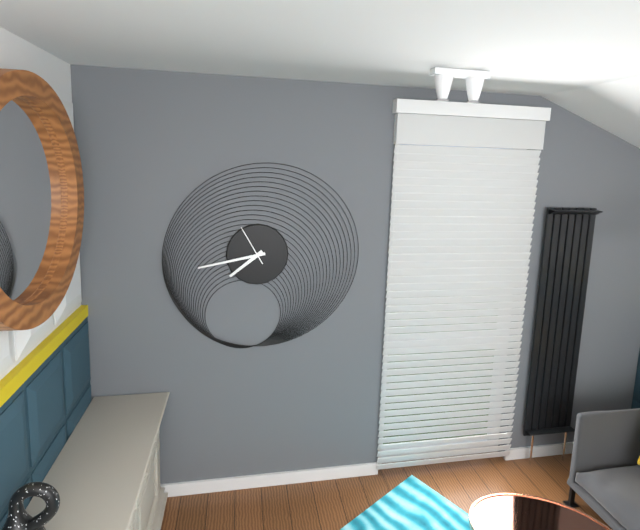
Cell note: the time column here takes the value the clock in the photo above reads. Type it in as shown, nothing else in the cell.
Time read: 7:43
